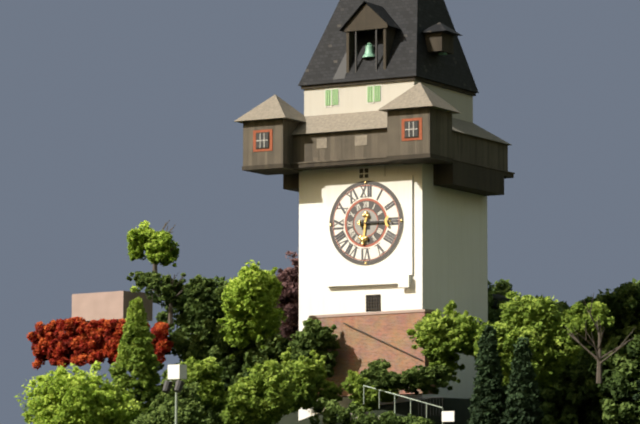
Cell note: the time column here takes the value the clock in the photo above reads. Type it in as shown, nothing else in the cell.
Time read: 6:15
